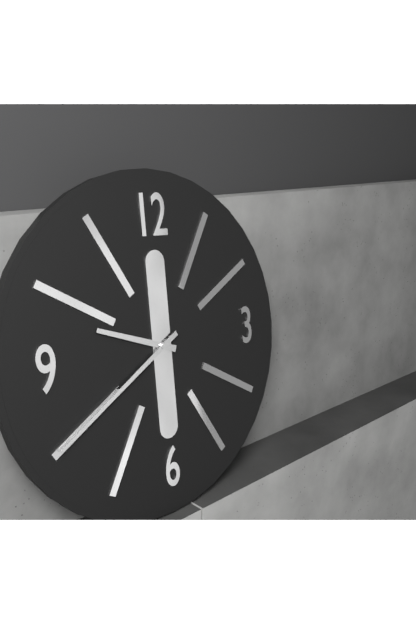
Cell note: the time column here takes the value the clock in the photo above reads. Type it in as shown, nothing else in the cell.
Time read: 9:40
